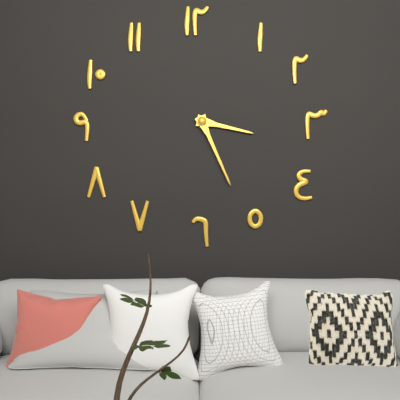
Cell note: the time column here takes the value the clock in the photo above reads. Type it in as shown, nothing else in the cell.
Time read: 3:26
